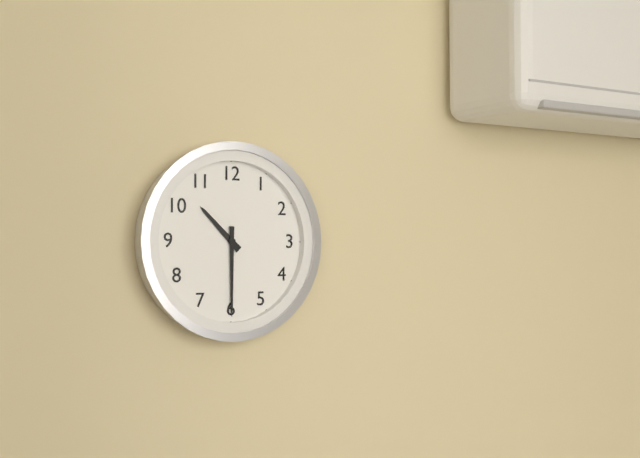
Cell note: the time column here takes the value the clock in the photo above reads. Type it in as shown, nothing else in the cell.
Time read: 10:30
